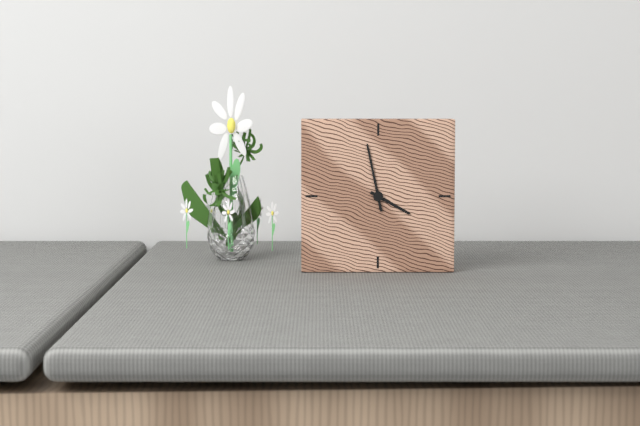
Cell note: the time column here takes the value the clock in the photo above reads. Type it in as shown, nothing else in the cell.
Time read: 3:58
